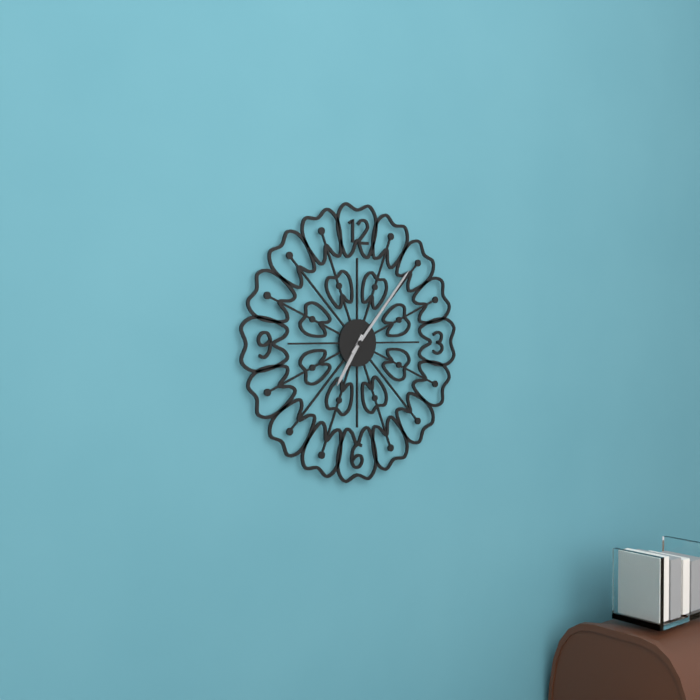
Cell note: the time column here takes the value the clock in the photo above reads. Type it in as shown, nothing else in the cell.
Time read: 7:07
